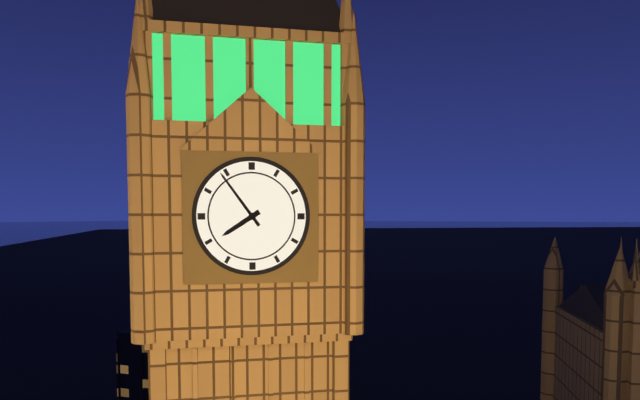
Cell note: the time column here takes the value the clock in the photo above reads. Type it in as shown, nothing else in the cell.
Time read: 7:54
